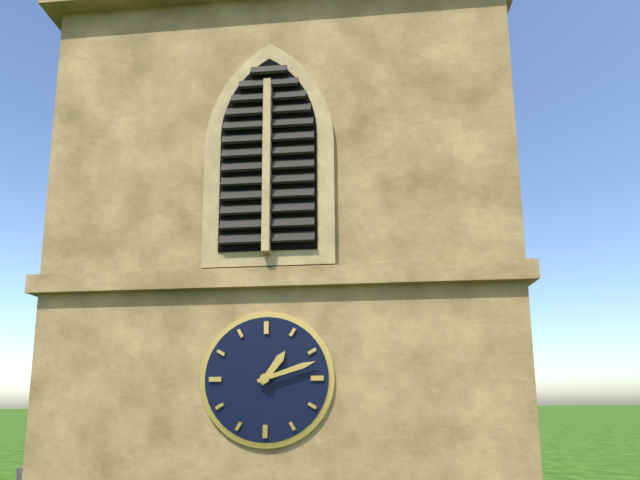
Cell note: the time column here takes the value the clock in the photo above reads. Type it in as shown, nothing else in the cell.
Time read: 1:12
